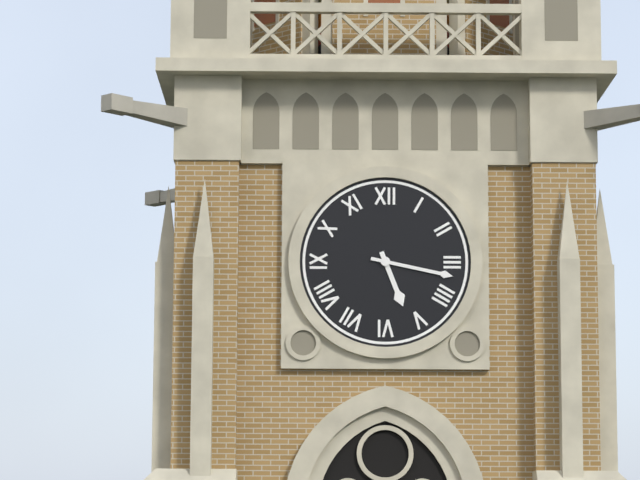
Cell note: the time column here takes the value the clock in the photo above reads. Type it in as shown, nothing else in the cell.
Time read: 5:17
